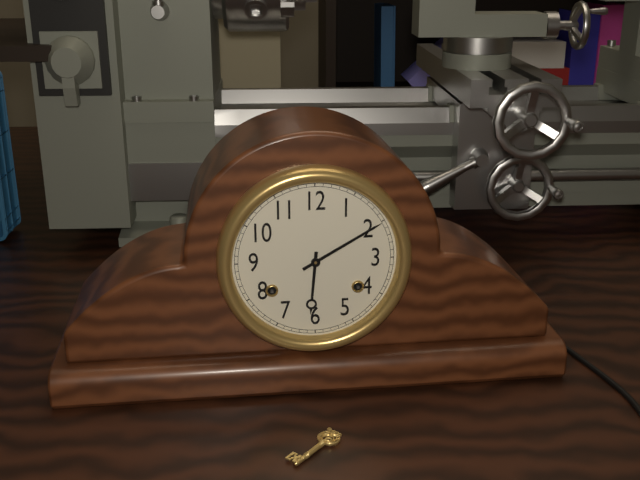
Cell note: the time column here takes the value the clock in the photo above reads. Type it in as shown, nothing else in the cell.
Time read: 6:10
